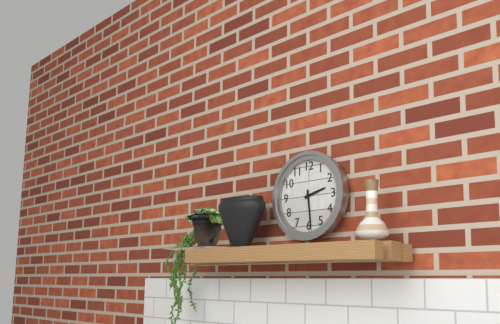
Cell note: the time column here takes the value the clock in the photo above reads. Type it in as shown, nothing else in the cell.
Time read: 2:29
